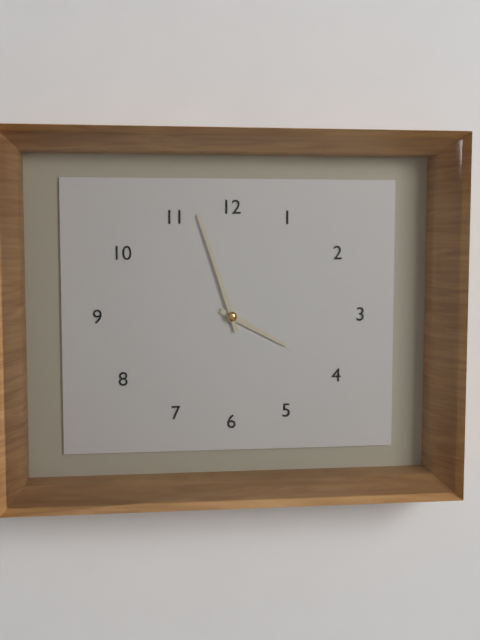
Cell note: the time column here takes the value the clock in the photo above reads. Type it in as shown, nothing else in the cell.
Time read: 3:57
